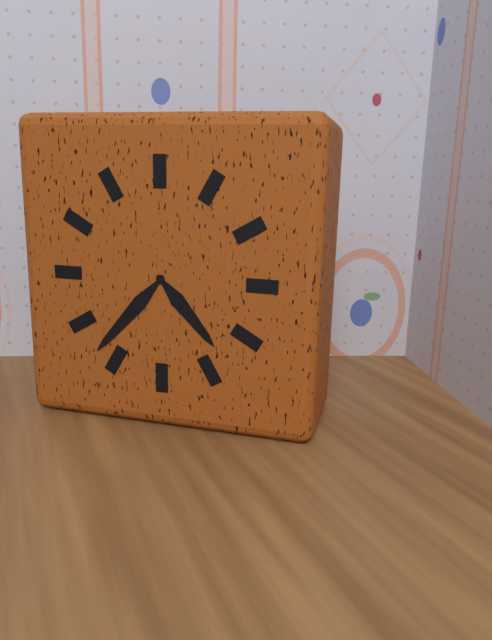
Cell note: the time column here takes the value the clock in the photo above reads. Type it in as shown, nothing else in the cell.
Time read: 4:37
